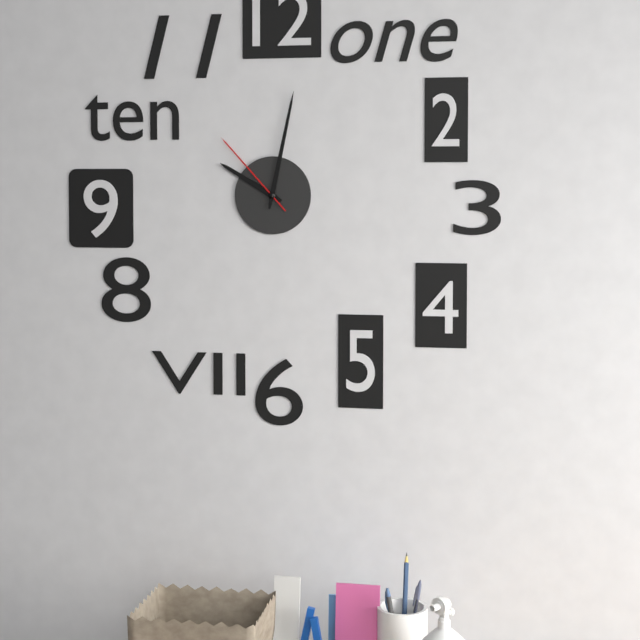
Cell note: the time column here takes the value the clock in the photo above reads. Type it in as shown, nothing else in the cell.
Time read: 10:02:53
